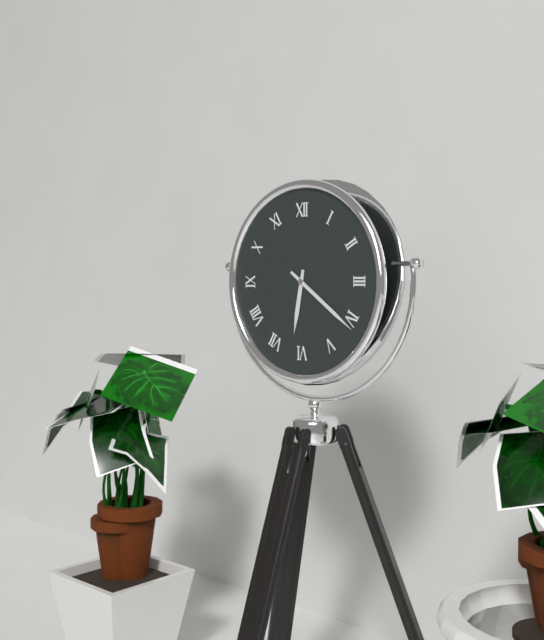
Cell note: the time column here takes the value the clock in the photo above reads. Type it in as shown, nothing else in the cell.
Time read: 6:21
